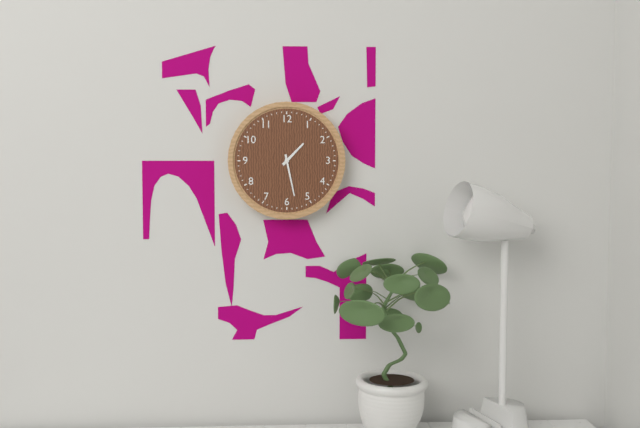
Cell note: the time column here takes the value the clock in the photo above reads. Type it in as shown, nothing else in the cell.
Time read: 1:28
